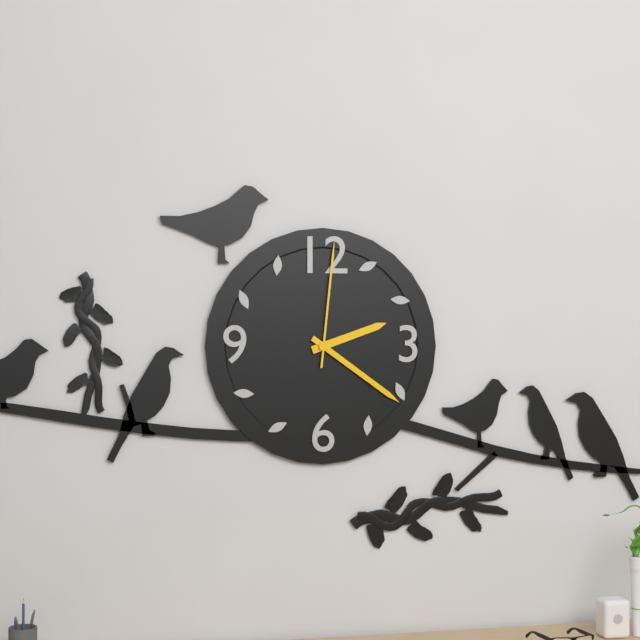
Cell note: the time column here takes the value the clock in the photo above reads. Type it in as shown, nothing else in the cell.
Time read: 2:21:01
